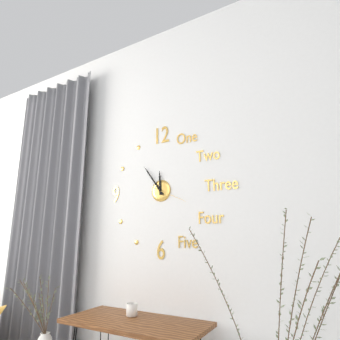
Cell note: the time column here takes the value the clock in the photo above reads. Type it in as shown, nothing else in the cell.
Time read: 11:54
